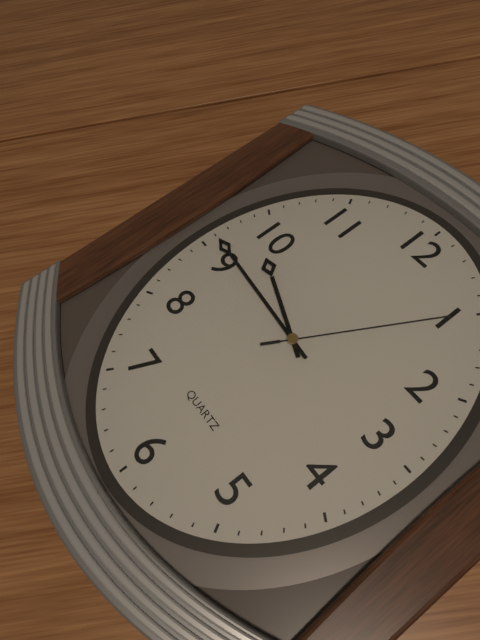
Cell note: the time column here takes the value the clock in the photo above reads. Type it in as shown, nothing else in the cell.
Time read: 9:46:05
